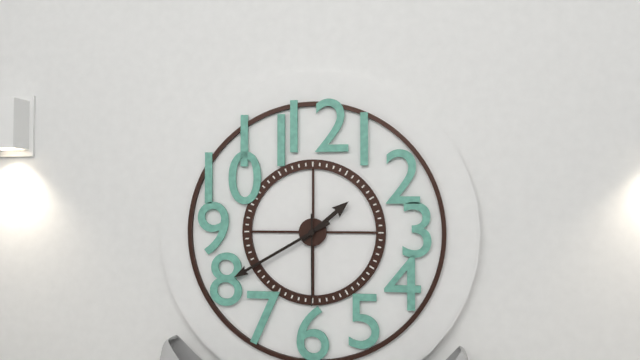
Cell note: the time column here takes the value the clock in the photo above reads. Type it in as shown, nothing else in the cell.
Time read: 1:40:30
